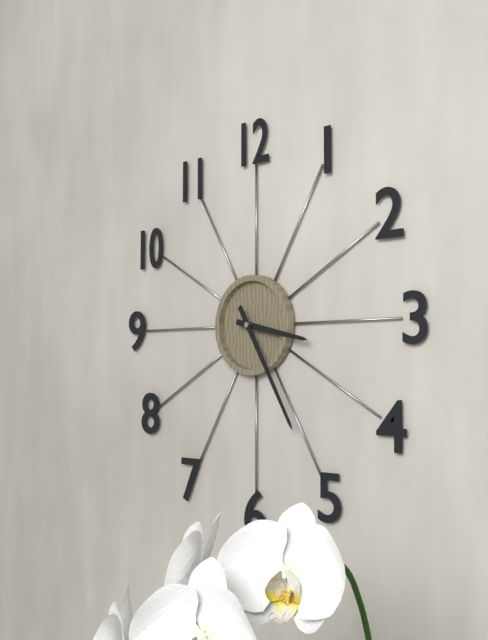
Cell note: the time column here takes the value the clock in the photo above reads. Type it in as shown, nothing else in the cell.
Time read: 3:25
